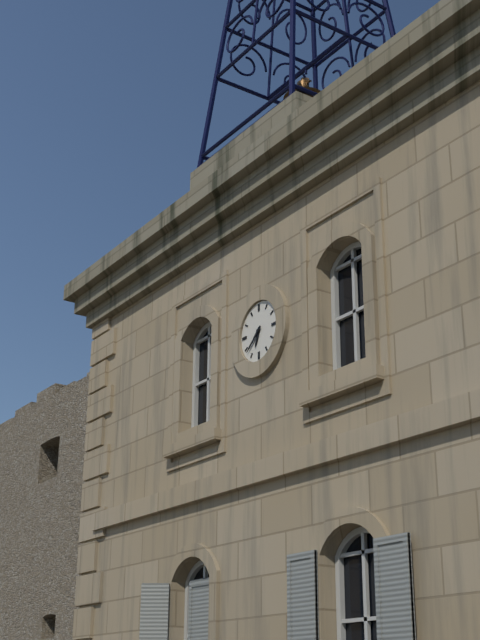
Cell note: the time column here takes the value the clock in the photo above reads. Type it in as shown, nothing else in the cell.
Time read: 6:38
